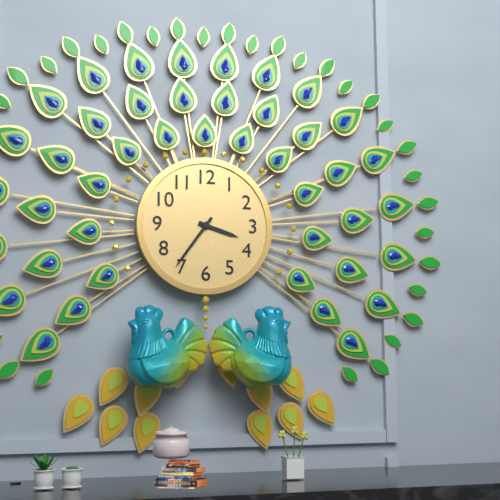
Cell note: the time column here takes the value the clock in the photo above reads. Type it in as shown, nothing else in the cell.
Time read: 3:36
